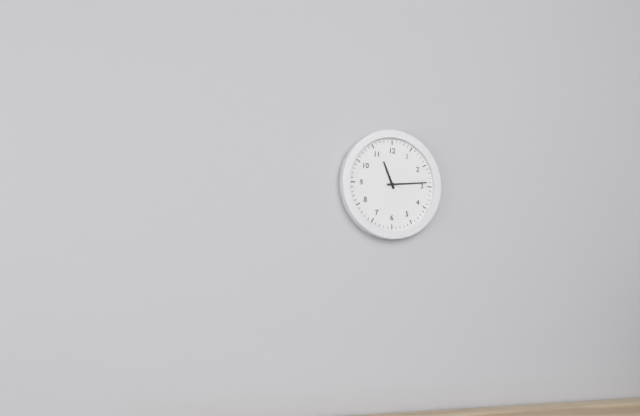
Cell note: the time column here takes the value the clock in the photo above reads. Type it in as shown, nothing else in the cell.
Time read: 11:14
